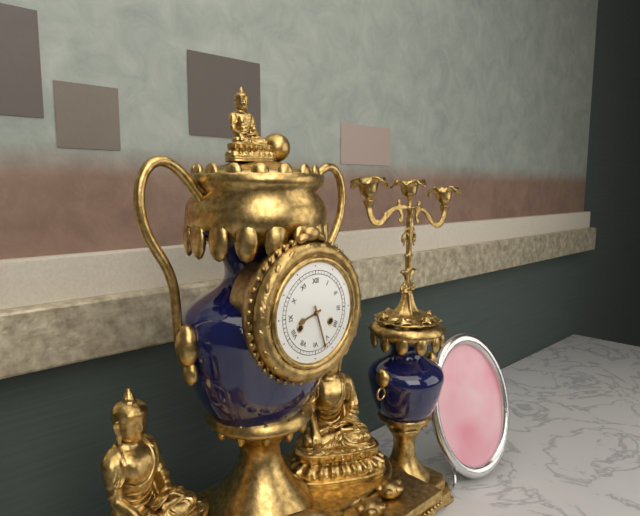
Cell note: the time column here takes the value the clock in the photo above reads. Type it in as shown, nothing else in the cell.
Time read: 8:27
